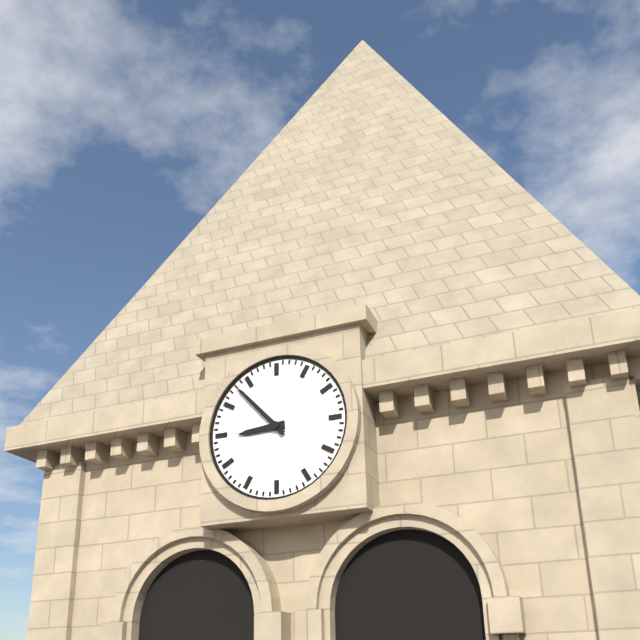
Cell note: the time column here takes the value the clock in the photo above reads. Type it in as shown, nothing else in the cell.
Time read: 8:53
